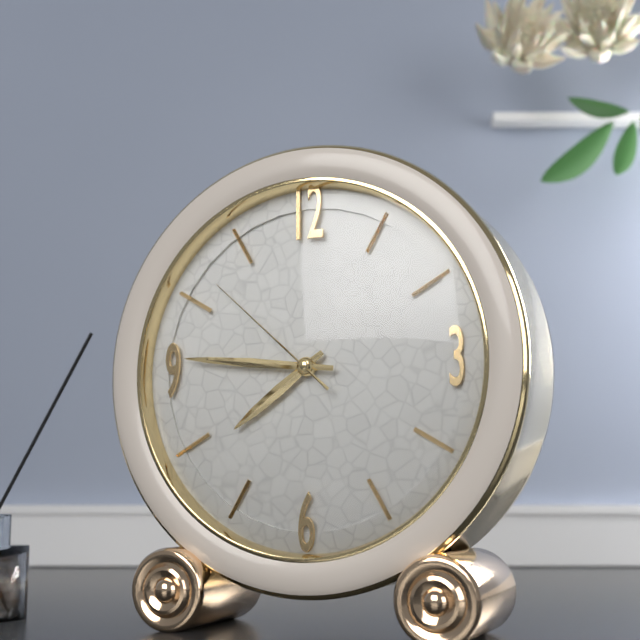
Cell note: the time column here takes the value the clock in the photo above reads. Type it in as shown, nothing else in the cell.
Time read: 7:46:52
